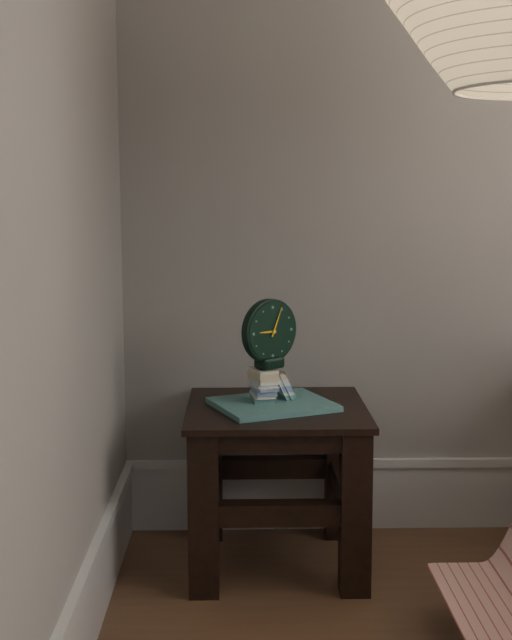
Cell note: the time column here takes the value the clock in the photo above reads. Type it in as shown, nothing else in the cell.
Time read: 9:04
